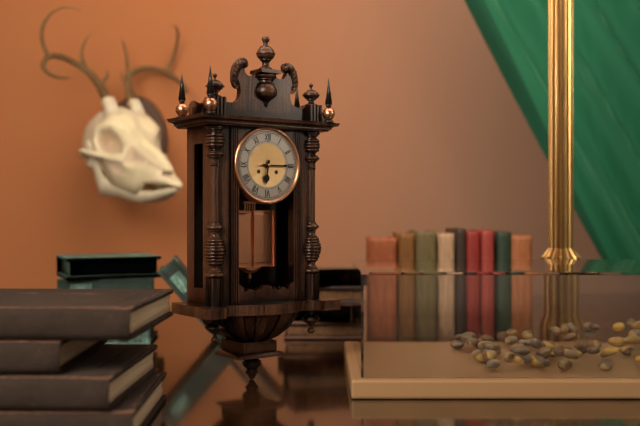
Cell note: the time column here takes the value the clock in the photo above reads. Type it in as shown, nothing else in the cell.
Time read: 6:15
